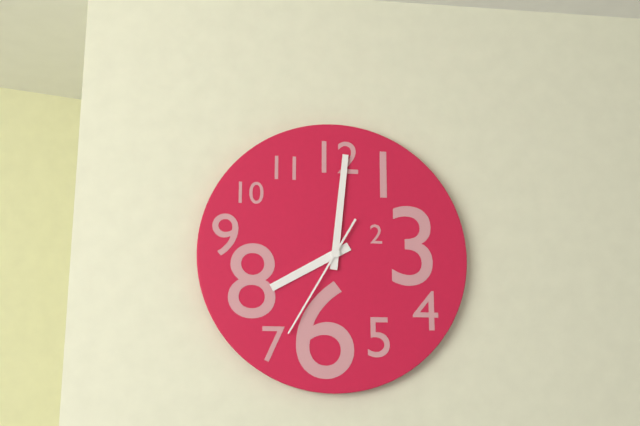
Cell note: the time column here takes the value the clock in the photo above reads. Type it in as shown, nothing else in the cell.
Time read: 8:01:35
